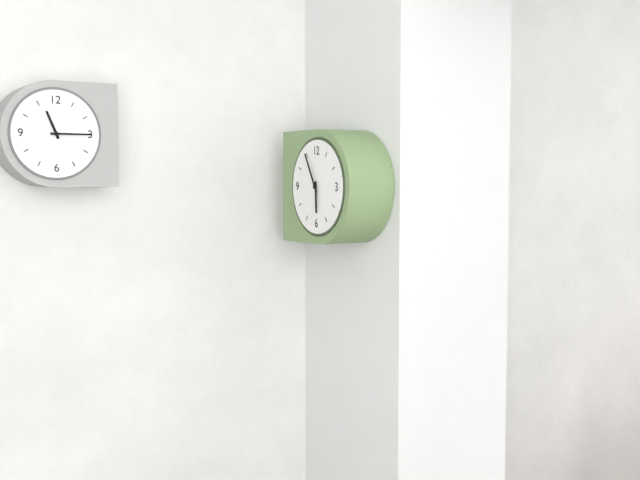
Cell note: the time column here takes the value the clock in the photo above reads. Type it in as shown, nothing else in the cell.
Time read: 5:55
